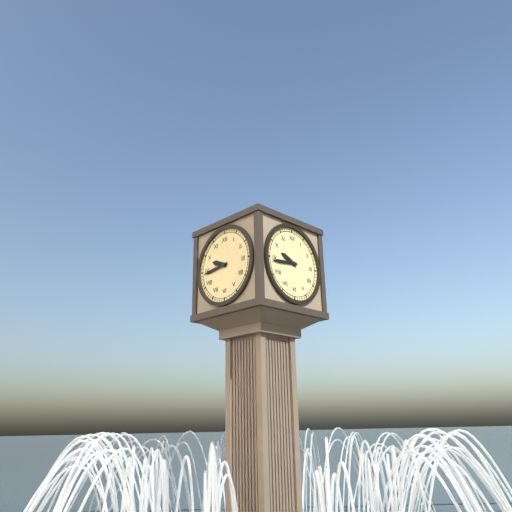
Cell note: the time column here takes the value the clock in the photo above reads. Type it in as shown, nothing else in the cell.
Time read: 9:44
